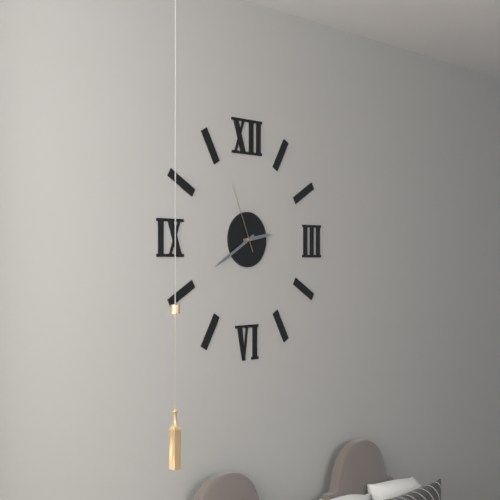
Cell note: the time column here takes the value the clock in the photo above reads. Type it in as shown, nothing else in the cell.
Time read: 2:40:56
